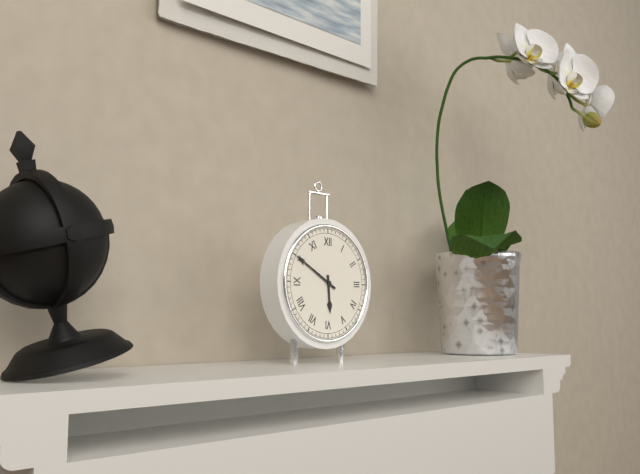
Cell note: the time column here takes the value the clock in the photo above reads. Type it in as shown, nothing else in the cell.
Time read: 5:50
